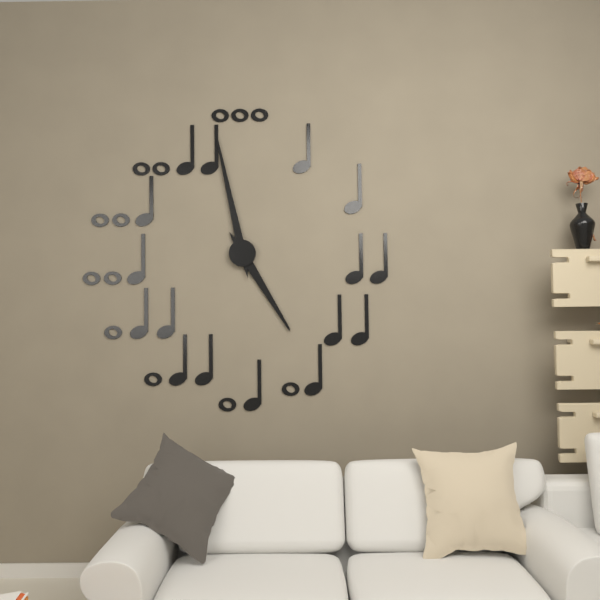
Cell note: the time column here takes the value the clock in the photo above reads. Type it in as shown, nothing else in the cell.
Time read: 4:58
